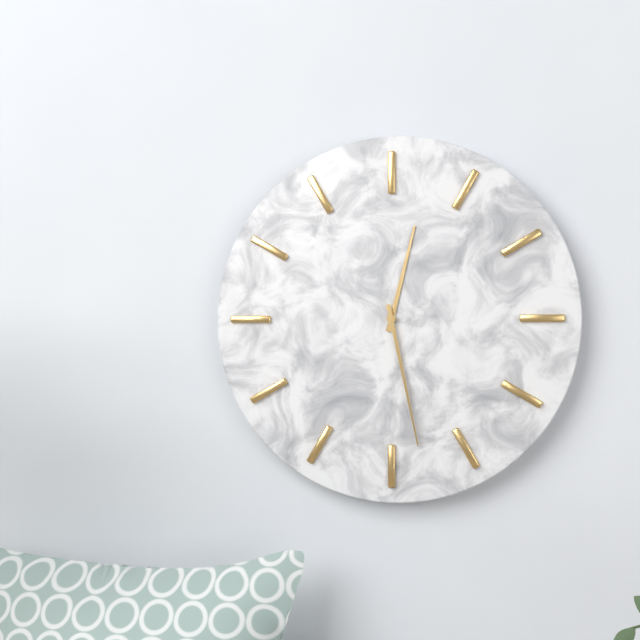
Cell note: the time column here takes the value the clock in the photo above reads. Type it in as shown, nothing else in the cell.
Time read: 12:28
